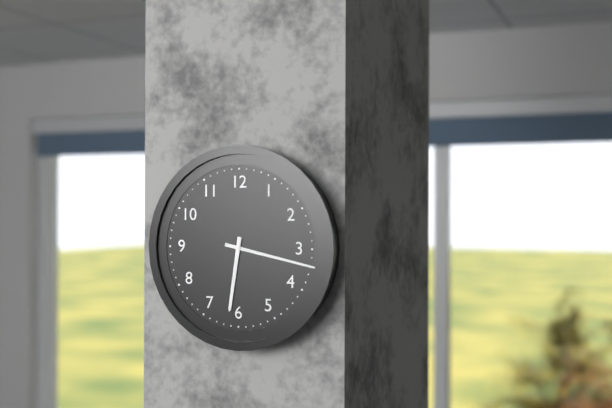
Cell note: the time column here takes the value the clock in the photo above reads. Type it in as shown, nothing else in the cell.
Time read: 6:17
